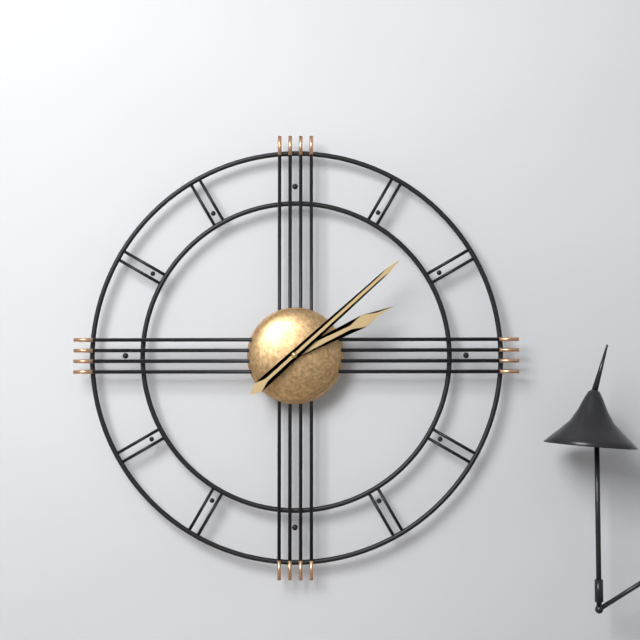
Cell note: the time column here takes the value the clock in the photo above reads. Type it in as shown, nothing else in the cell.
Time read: 2:08
